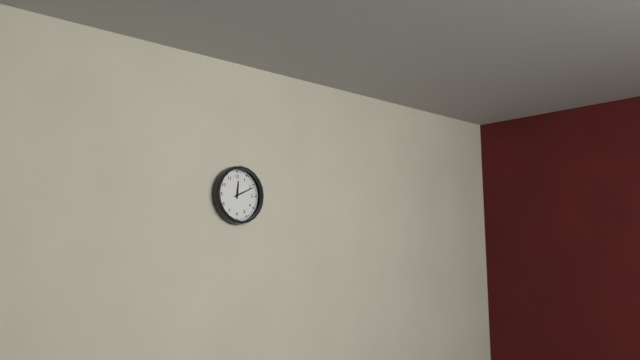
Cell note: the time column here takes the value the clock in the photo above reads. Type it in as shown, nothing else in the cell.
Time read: 12:11
